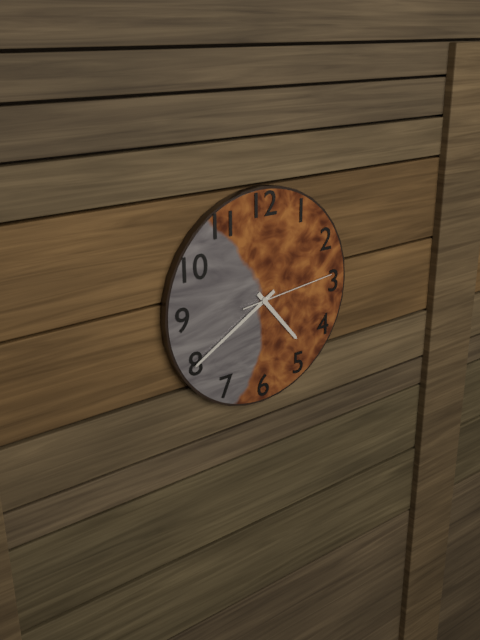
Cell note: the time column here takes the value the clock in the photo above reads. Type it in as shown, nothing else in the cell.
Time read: 4:40:14
